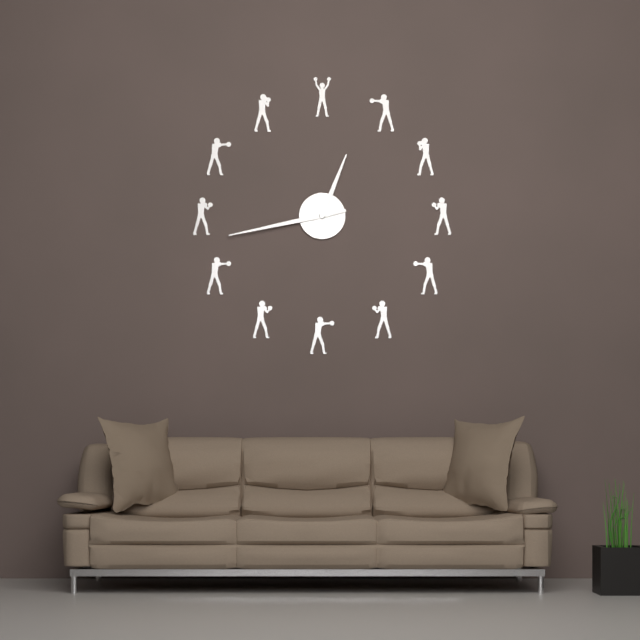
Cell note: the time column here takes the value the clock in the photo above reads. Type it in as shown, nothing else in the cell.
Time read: 12:43
